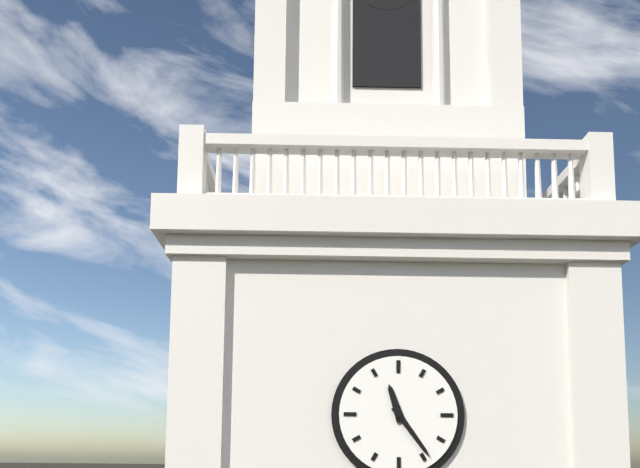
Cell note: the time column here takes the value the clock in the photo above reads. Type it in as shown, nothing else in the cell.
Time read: 11:24
